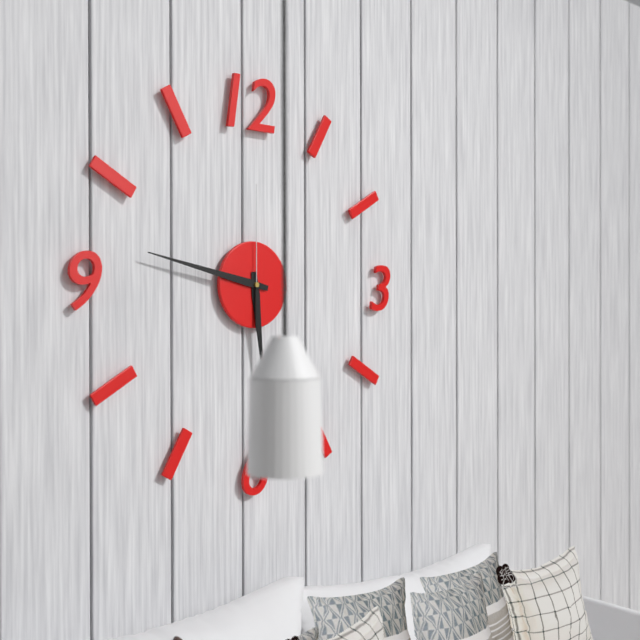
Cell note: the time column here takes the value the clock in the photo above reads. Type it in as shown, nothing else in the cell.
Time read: 5:47:00
